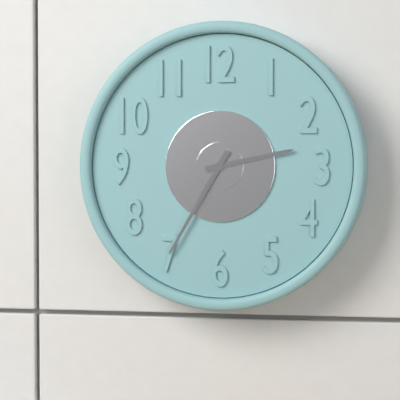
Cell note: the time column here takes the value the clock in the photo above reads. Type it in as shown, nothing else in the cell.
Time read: 2:35
